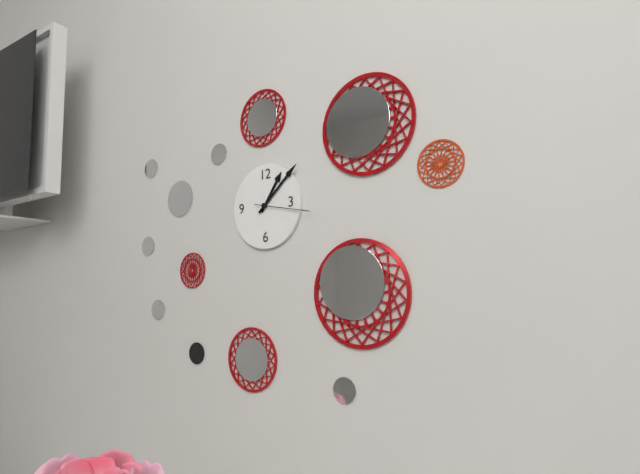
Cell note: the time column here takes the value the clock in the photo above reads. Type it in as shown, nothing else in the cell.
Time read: 1:08:17
